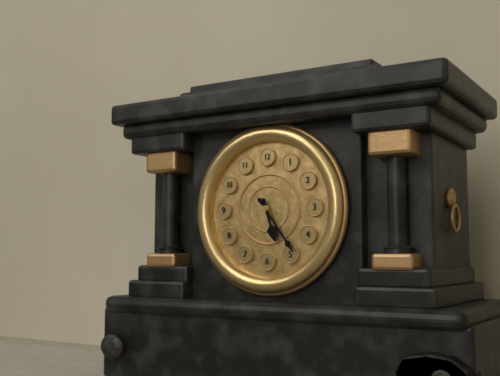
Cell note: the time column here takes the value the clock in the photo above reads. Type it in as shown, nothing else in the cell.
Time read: 5:24
